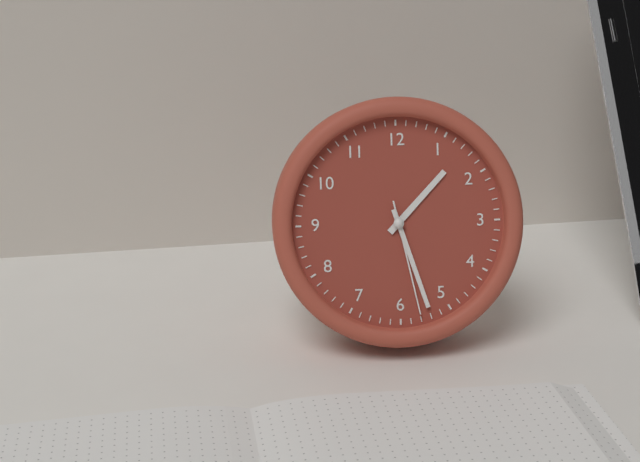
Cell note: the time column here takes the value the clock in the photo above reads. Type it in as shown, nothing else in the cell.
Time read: 1:27:28
